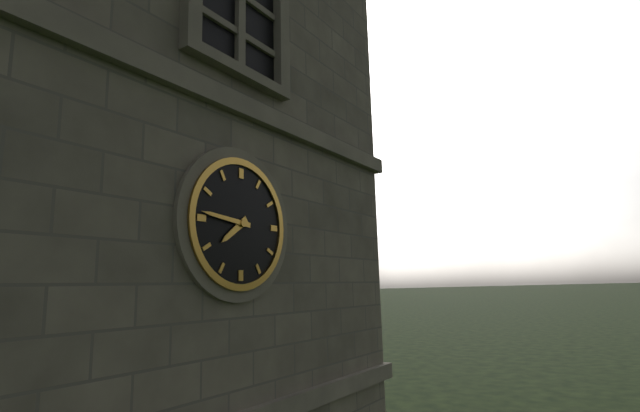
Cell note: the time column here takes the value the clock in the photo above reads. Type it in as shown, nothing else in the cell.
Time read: 7:46
